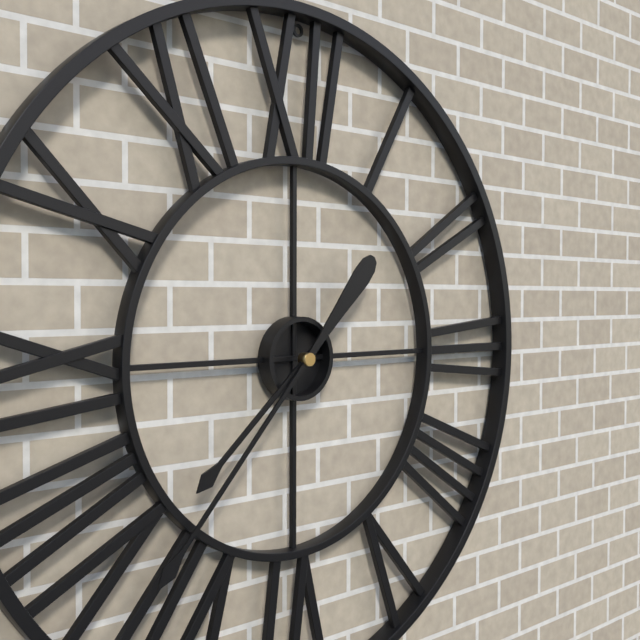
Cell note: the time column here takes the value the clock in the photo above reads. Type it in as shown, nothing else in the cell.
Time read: 7:37
